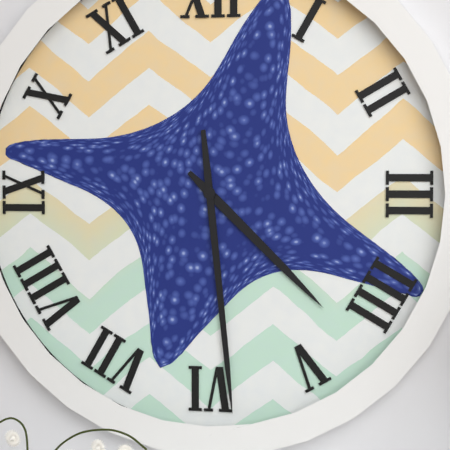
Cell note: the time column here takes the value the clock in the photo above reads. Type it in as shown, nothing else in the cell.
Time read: 4:29
